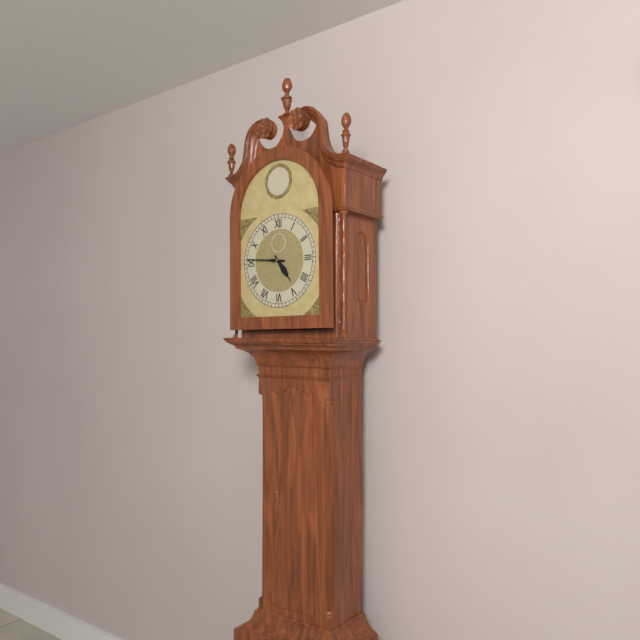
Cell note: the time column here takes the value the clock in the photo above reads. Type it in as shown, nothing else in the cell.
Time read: 4:46
